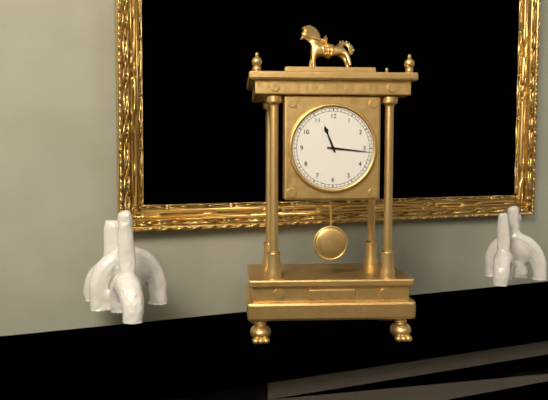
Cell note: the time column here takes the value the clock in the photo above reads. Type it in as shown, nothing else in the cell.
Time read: 11:16
